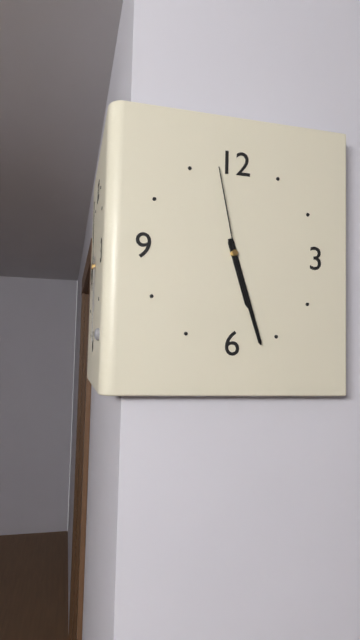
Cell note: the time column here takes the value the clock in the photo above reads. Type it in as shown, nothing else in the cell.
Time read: 5:27:58
